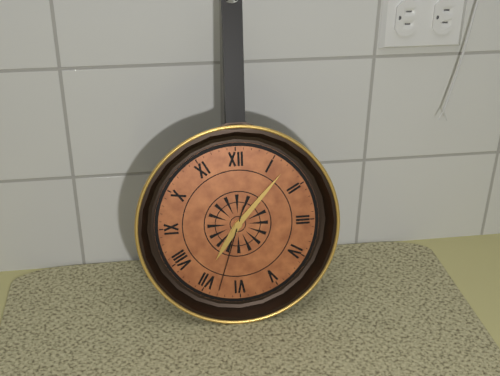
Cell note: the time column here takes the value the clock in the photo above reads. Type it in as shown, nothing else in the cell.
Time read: 7:07:33
